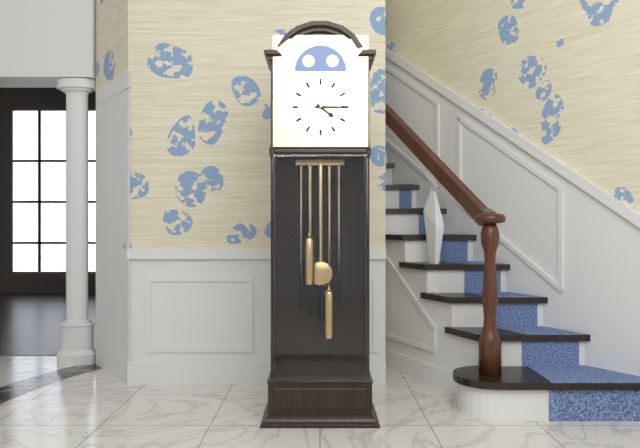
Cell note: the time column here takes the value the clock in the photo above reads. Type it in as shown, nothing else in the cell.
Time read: 4:15
